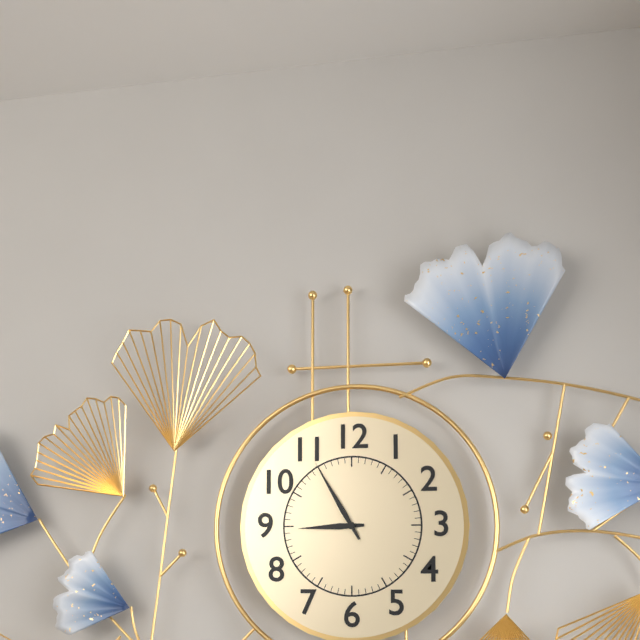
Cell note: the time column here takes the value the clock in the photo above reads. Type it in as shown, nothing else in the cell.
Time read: 8:55
